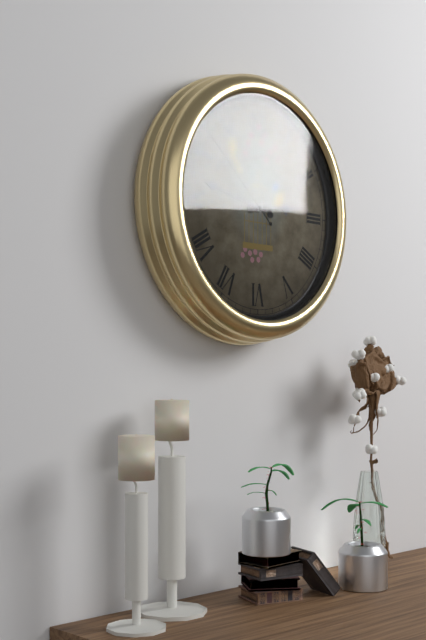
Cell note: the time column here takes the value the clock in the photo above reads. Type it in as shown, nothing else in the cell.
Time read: 2:47:52
